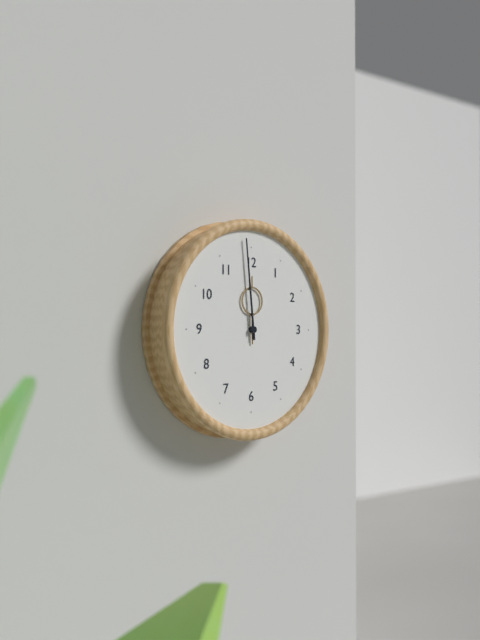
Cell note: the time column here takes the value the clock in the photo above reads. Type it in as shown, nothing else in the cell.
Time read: 11:59
